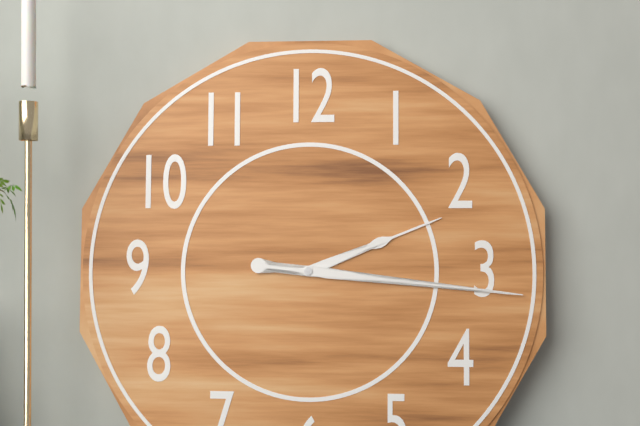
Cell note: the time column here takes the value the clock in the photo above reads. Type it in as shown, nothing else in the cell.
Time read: 2:16
